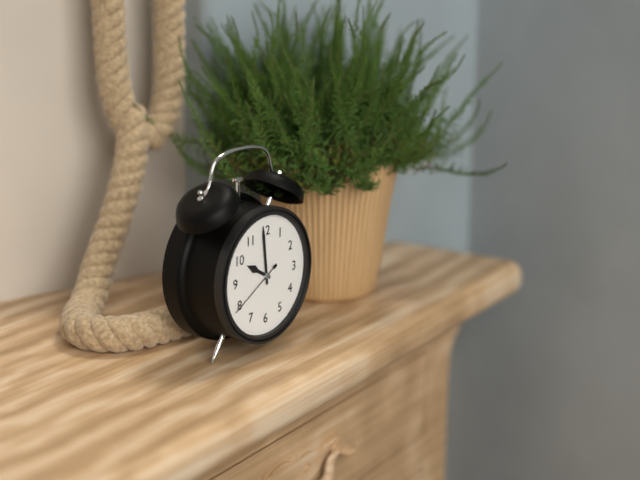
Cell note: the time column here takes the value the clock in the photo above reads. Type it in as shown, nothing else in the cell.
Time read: 9:59:40
